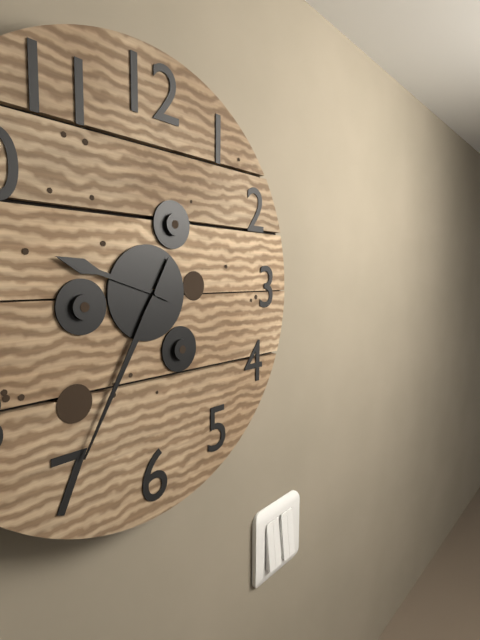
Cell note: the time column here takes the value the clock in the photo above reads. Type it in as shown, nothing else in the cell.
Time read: 9:35
